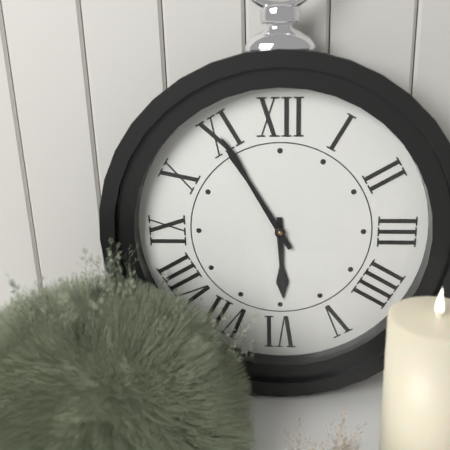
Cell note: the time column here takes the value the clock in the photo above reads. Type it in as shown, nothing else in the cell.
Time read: 5:55
